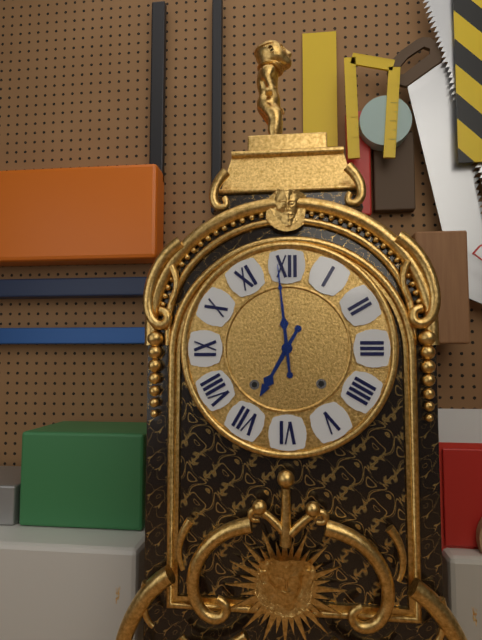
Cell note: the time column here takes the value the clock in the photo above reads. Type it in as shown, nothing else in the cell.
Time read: 6:59
